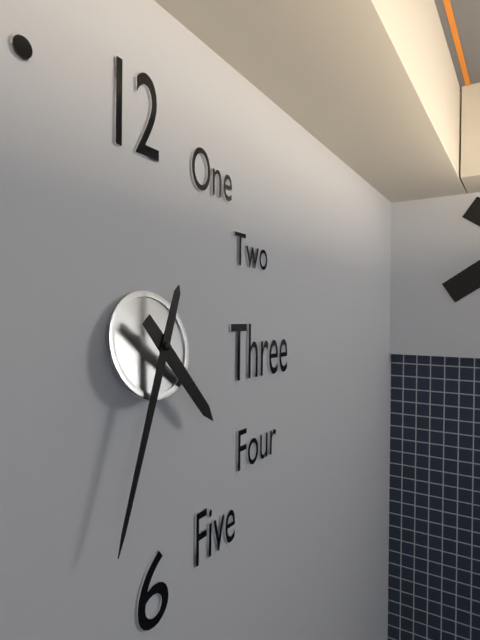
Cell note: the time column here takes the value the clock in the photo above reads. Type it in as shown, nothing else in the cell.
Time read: 4:33
